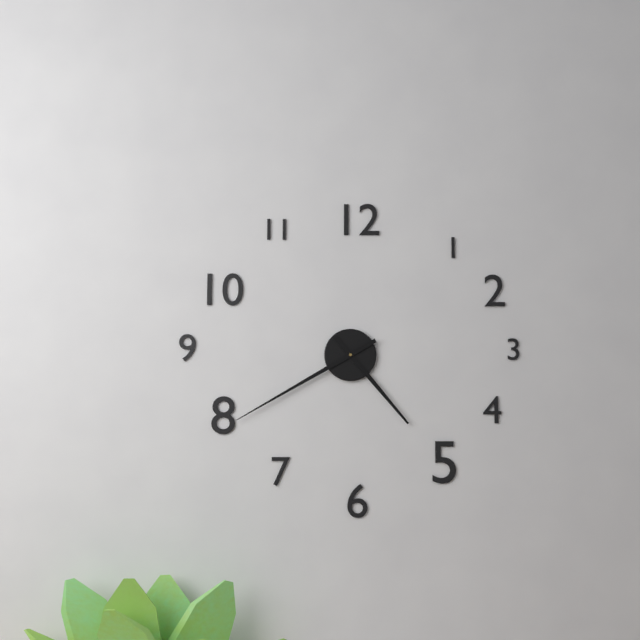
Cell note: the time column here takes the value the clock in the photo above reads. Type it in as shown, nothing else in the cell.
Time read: 4:40
